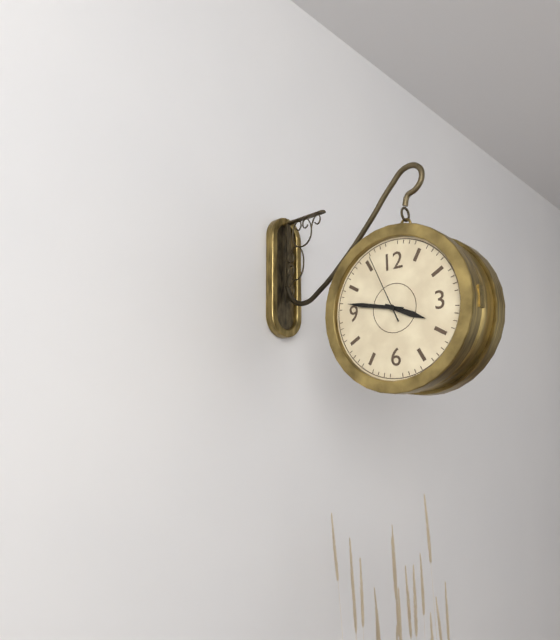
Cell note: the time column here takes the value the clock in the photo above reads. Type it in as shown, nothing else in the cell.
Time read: 3:47:56
